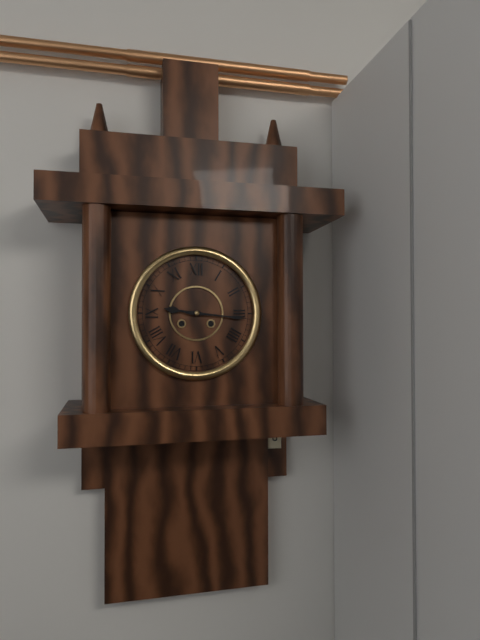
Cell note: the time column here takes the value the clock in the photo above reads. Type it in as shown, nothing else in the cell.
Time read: 9:16
